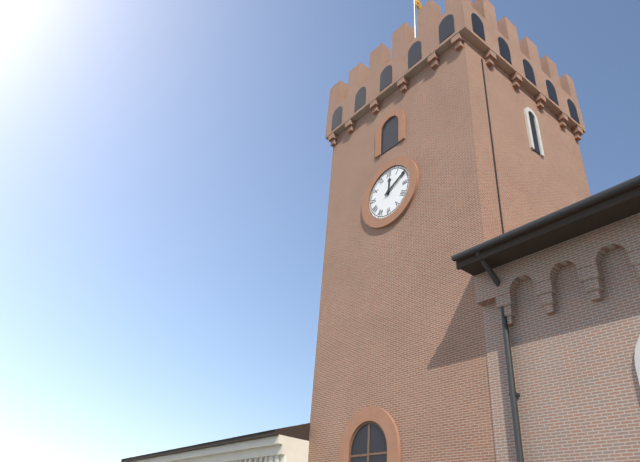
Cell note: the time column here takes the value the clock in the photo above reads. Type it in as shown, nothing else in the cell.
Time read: 12:10
